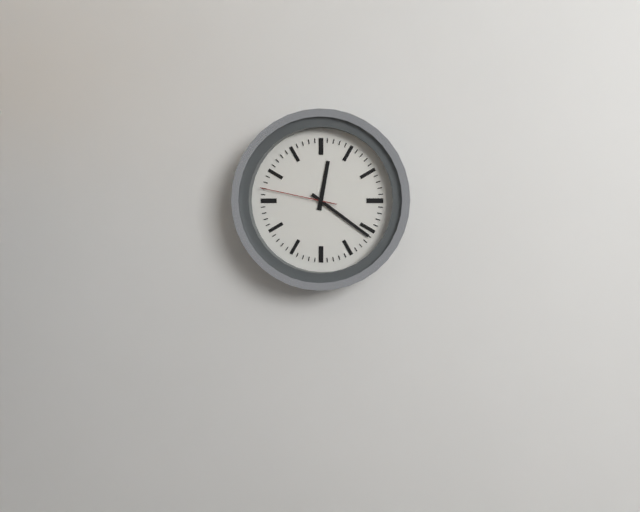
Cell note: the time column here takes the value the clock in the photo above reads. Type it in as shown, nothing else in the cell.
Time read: 12:21:47
